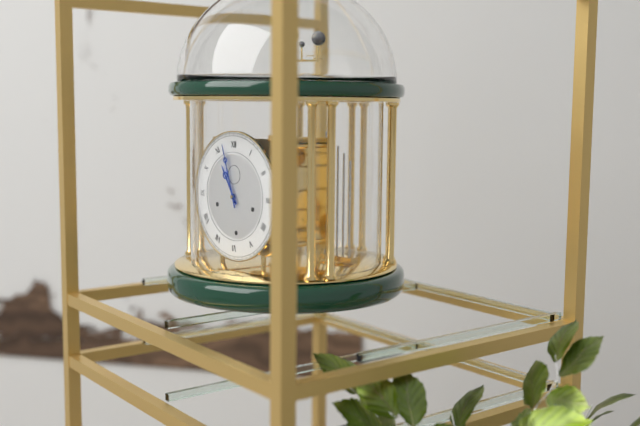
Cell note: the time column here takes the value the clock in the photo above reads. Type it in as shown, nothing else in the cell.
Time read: 10:57
